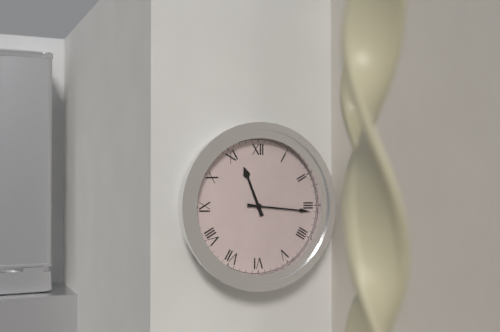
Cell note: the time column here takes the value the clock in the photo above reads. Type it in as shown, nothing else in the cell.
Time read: 11:16
